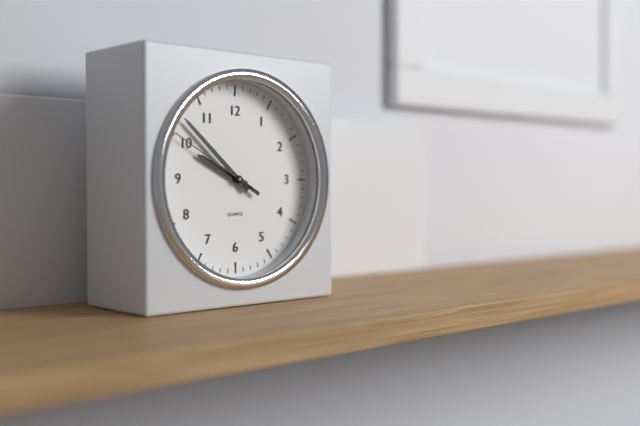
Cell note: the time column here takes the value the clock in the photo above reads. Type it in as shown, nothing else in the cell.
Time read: 9:52:50
